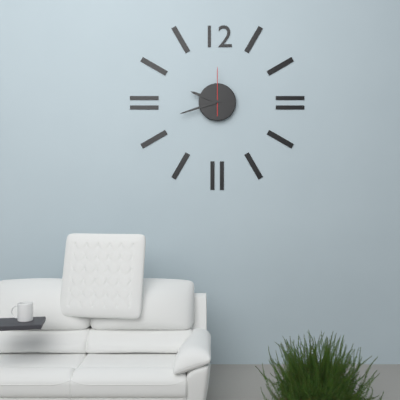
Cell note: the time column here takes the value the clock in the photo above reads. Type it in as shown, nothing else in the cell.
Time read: 9:42
